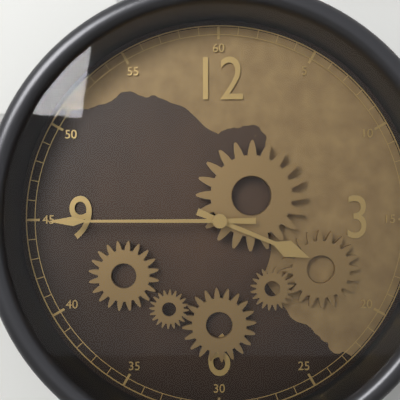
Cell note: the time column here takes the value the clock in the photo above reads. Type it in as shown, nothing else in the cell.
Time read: 3:45
